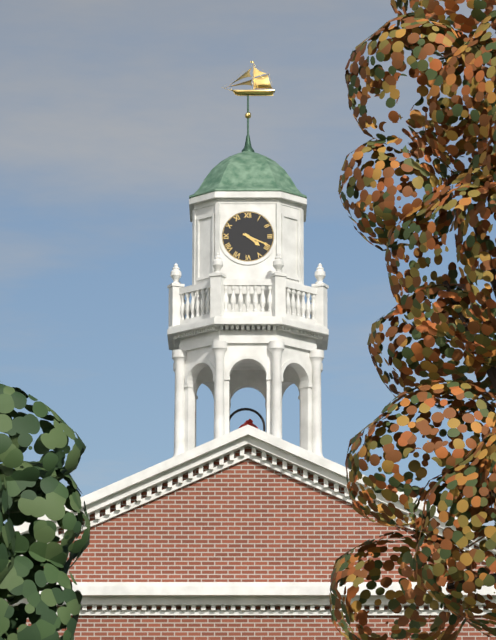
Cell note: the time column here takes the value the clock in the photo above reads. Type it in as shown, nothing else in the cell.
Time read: 4:19
